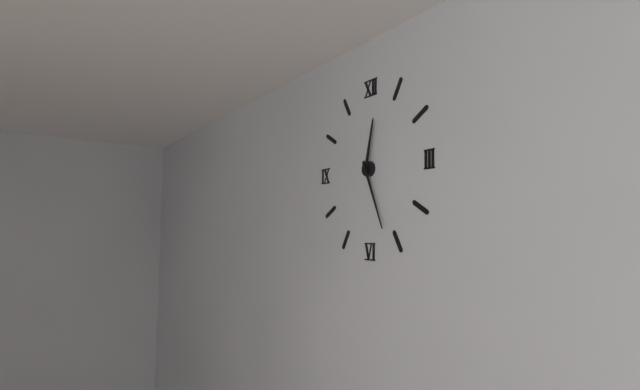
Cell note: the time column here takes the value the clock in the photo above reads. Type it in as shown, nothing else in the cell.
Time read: 12:26
